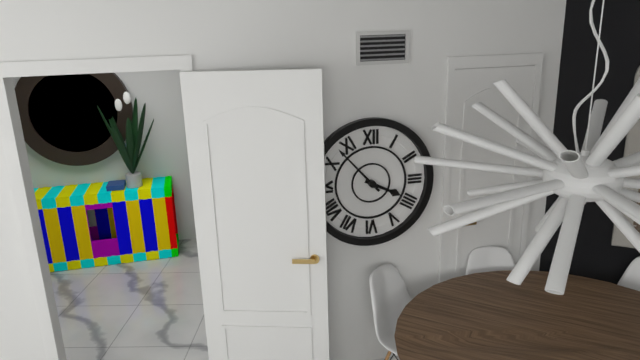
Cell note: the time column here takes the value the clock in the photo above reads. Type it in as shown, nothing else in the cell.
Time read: 3:53
